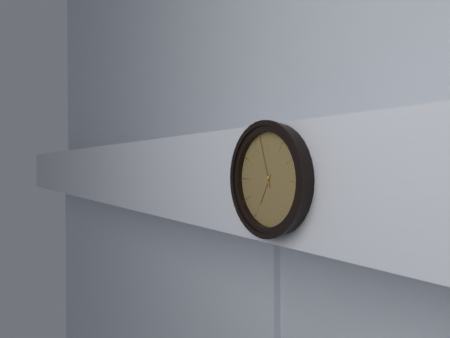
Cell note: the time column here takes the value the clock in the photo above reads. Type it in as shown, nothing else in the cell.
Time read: 6:57
